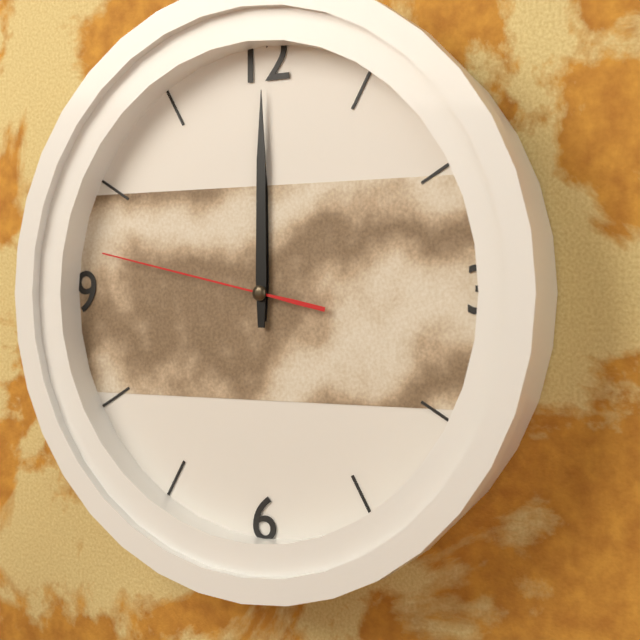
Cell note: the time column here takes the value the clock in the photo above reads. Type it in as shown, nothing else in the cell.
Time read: 12:00:47
